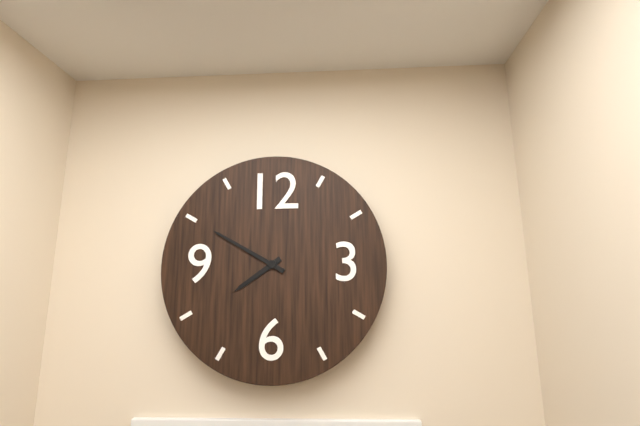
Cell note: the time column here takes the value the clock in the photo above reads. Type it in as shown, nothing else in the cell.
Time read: 7:50
